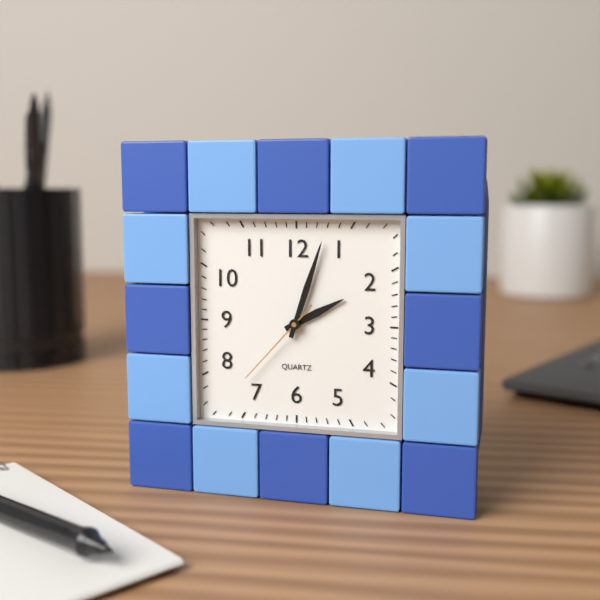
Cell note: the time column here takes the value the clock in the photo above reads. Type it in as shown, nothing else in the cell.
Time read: 2:03:37
